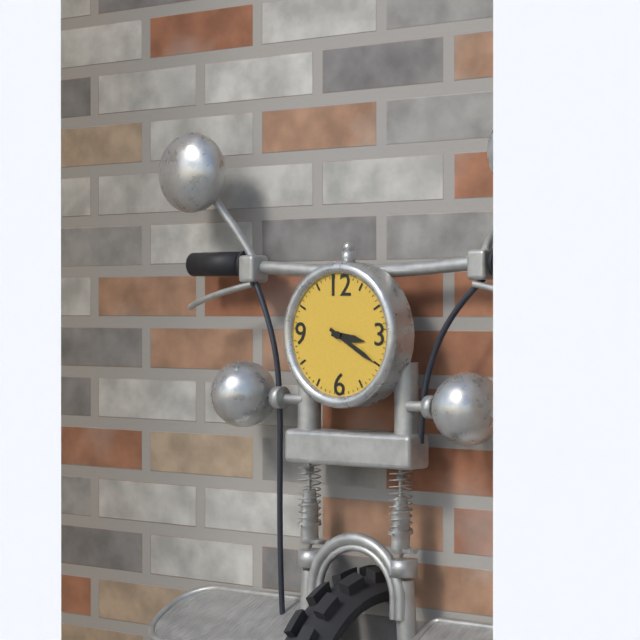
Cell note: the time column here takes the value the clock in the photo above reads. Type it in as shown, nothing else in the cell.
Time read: 3:20
